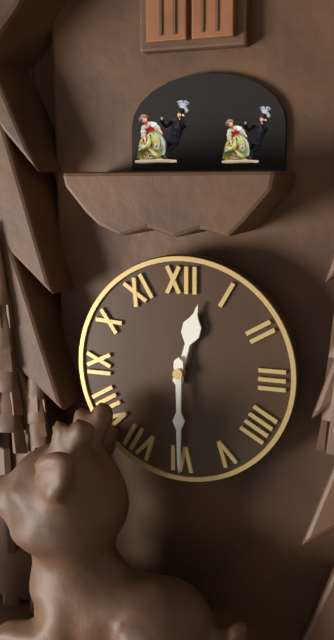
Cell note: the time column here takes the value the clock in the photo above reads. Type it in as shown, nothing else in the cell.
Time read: 12:30
